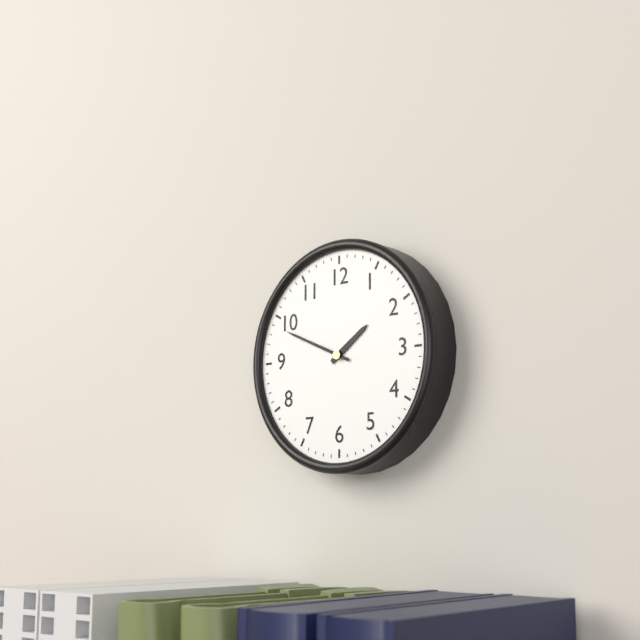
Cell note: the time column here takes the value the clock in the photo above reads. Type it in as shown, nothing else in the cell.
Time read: 1:49
